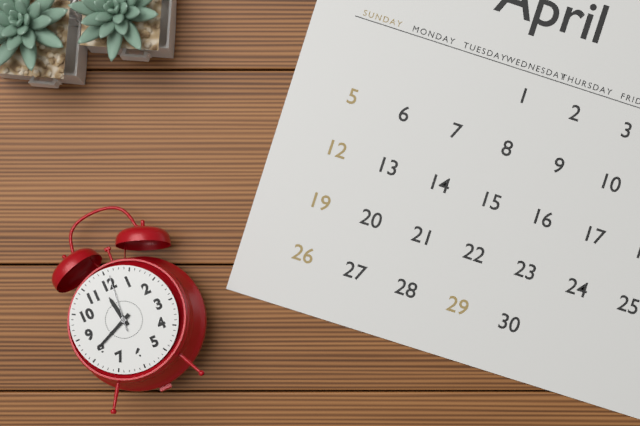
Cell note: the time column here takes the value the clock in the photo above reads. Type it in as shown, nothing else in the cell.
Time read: 11:41:01
